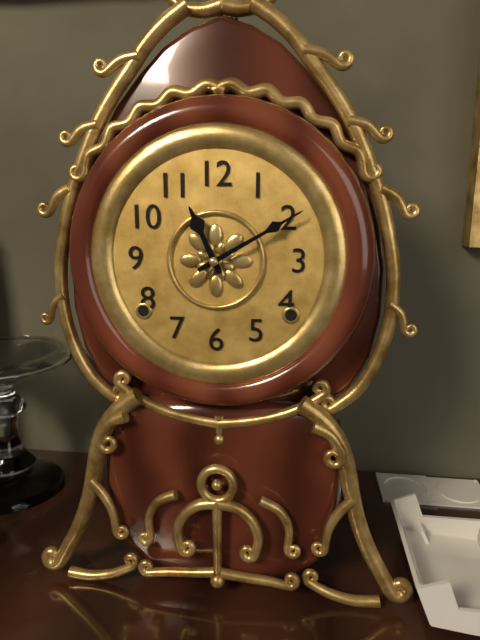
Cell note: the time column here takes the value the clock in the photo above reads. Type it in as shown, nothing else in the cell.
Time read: 11:10
